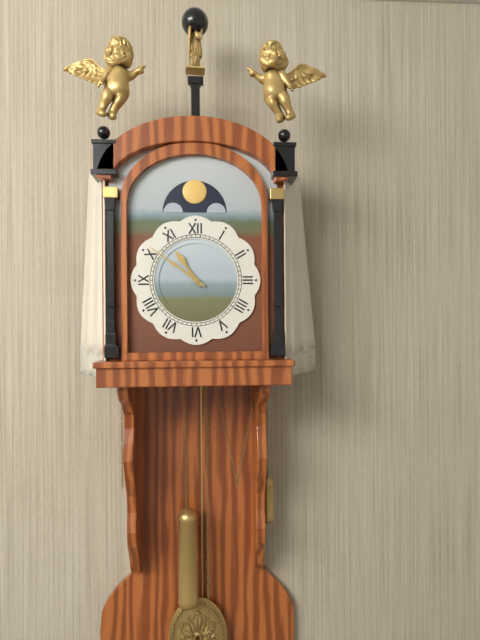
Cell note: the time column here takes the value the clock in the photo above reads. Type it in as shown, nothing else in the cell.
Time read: 10:51
